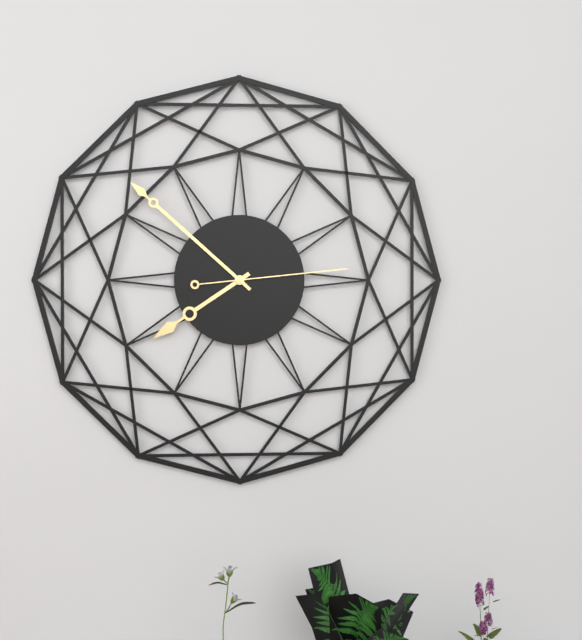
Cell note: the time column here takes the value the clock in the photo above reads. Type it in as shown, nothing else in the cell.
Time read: 7:52:14
